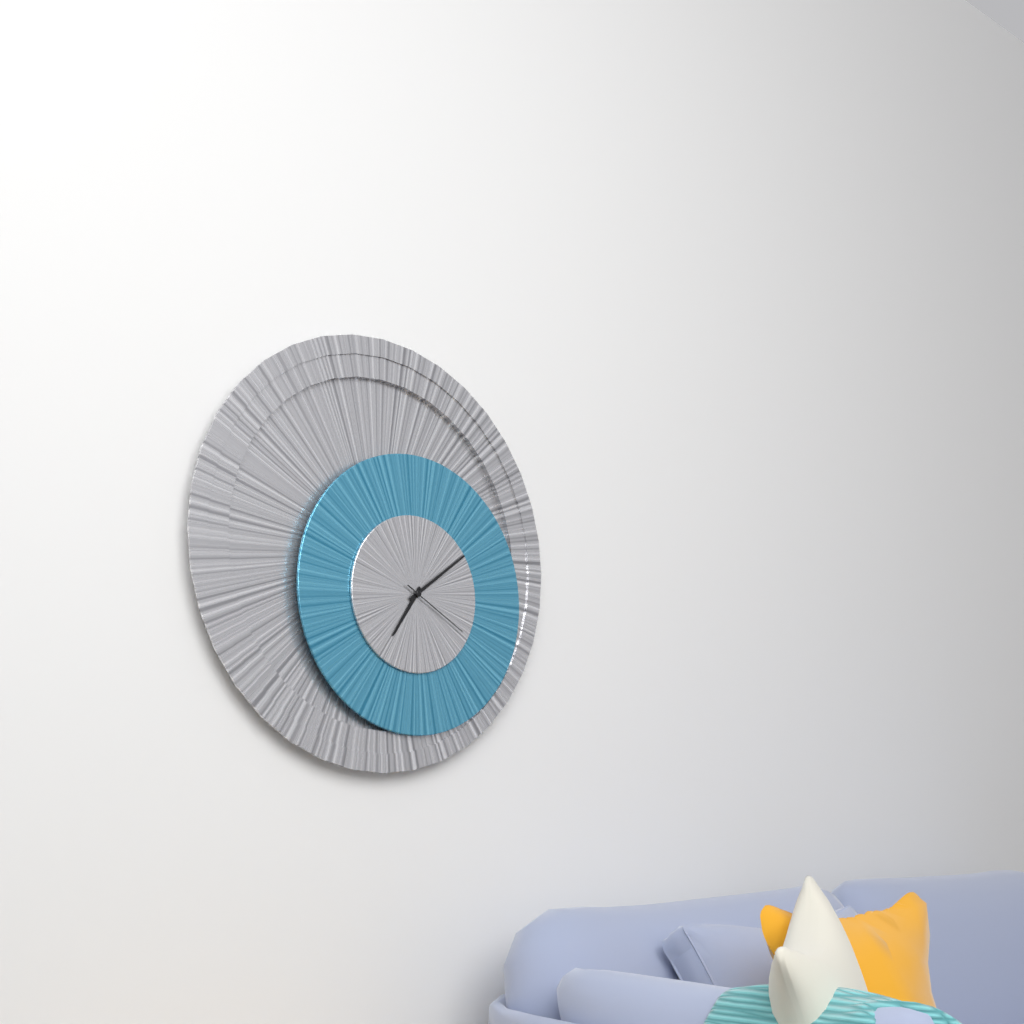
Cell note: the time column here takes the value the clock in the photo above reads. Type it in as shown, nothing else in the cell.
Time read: 7:09:20
